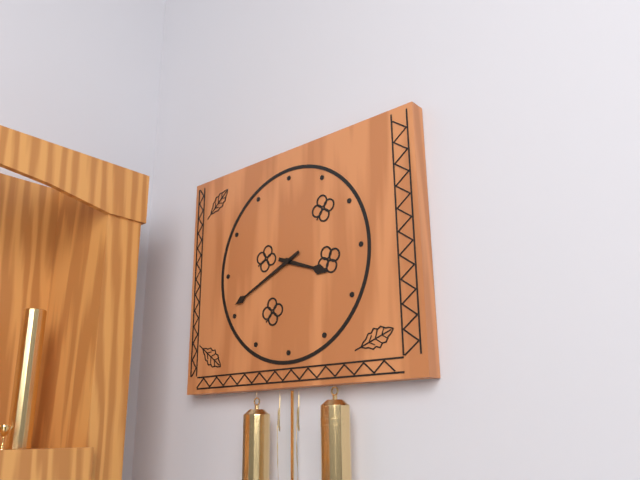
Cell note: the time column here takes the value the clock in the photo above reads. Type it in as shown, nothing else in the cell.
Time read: 3:41
